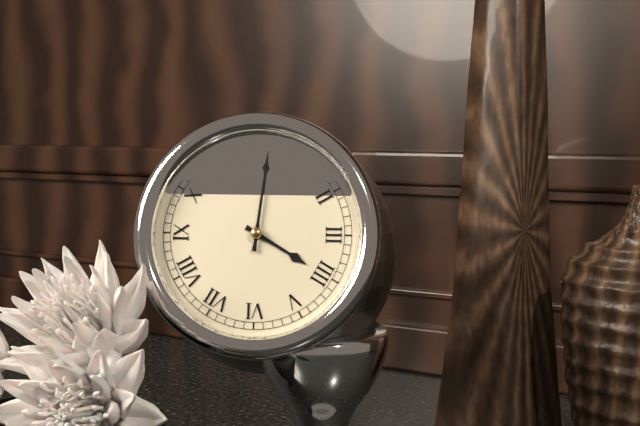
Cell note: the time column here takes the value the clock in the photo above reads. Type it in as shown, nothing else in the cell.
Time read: 4:01
